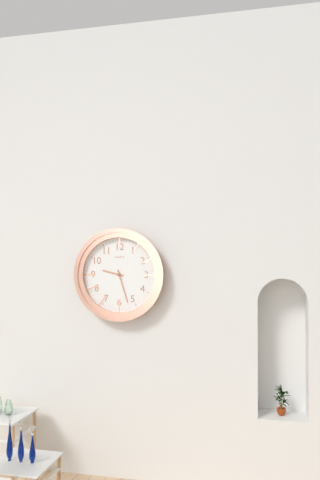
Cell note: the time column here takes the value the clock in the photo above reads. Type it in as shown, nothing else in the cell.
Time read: 9:27
